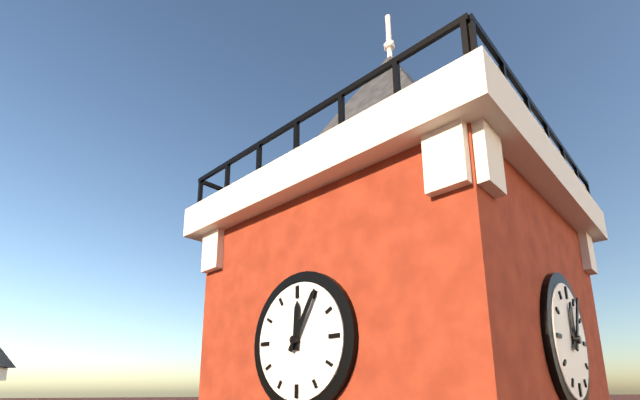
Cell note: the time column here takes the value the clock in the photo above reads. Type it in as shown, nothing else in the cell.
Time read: 12:05
